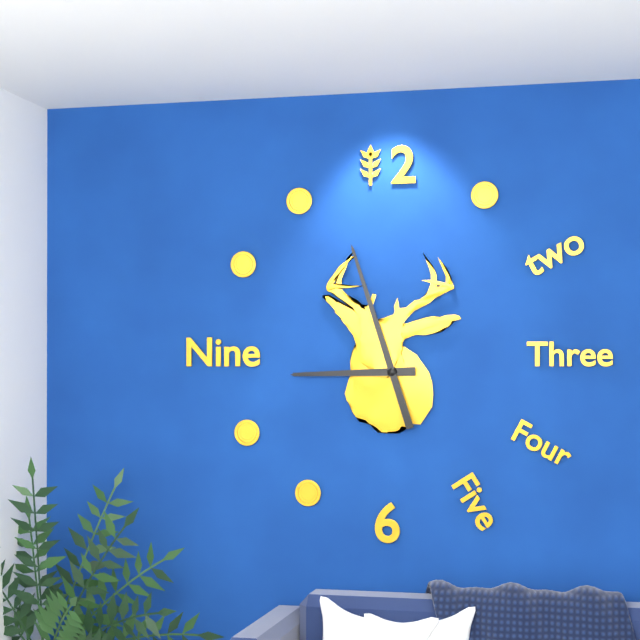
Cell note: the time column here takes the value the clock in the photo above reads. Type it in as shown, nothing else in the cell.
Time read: 8:57
